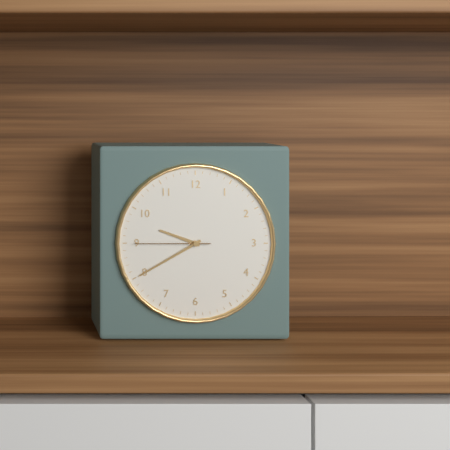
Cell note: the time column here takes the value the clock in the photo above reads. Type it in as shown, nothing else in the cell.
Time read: 9:40:45
